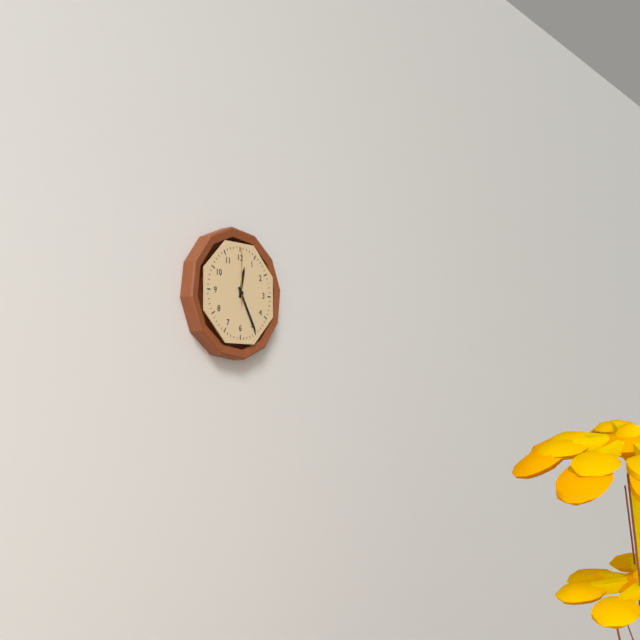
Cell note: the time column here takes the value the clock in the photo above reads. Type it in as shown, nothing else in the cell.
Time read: 12:25:00
